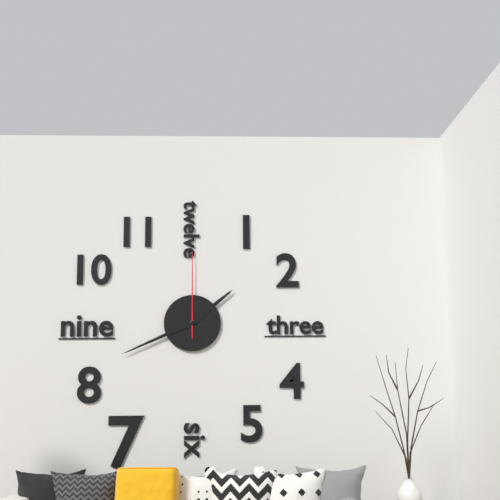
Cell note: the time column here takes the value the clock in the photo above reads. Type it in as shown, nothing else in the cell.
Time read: 1:41:00
